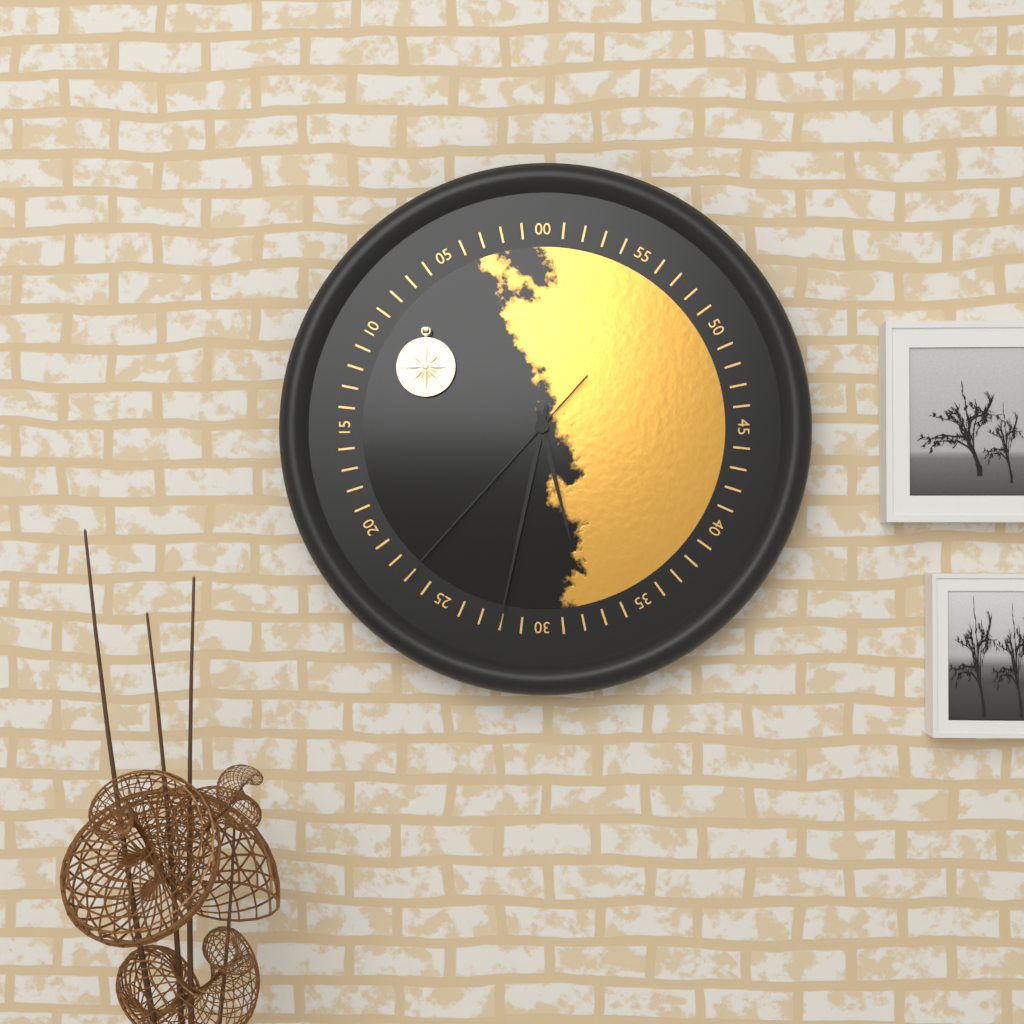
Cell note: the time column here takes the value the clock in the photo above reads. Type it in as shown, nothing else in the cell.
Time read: 5:32:37
